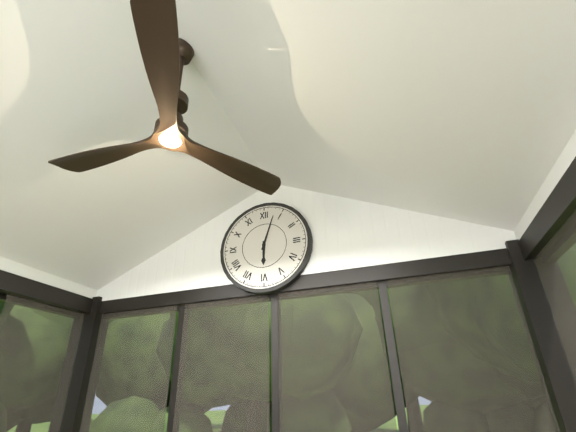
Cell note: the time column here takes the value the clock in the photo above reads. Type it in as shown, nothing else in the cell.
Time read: 6:03
